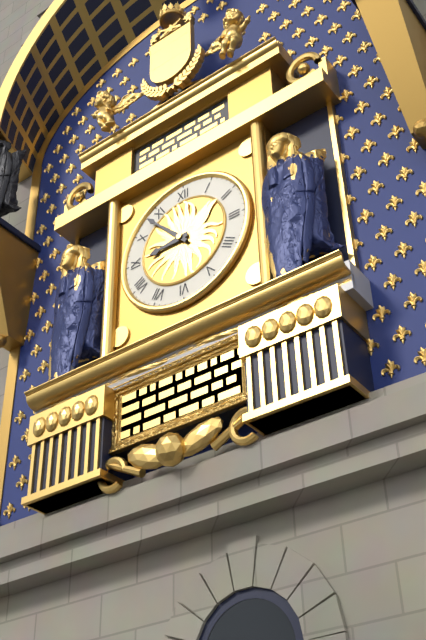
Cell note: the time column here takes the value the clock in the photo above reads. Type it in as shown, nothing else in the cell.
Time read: 8:53
